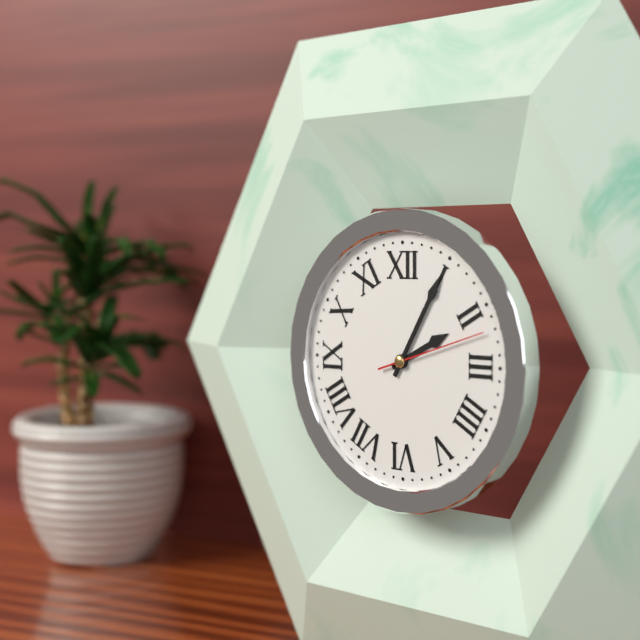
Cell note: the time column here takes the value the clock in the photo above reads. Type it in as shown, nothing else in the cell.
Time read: 2:05:12
